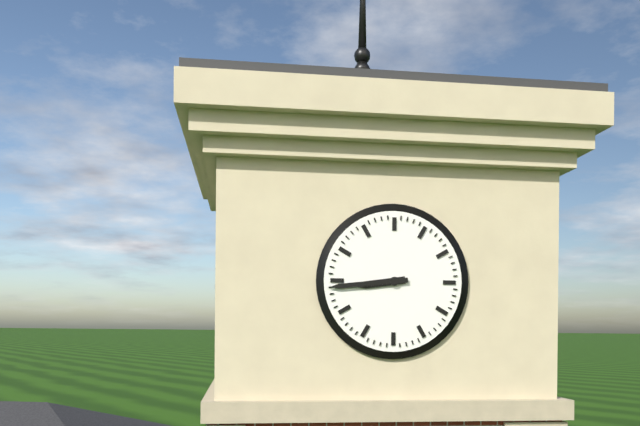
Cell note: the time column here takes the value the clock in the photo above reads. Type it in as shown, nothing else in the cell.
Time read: 8:44
